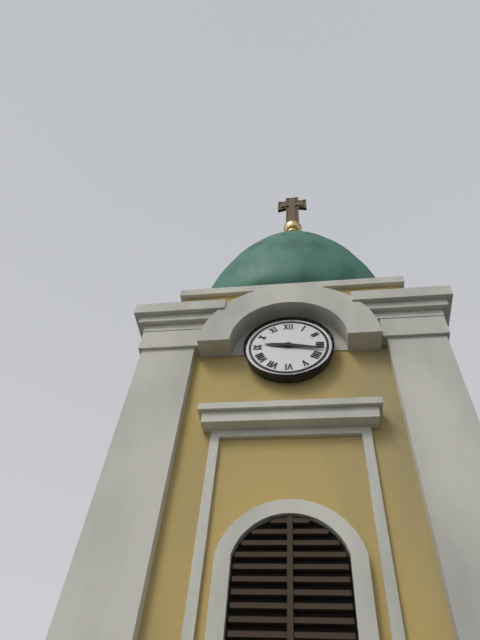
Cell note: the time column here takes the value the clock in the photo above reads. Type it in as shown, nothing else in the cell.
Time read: 9:17
